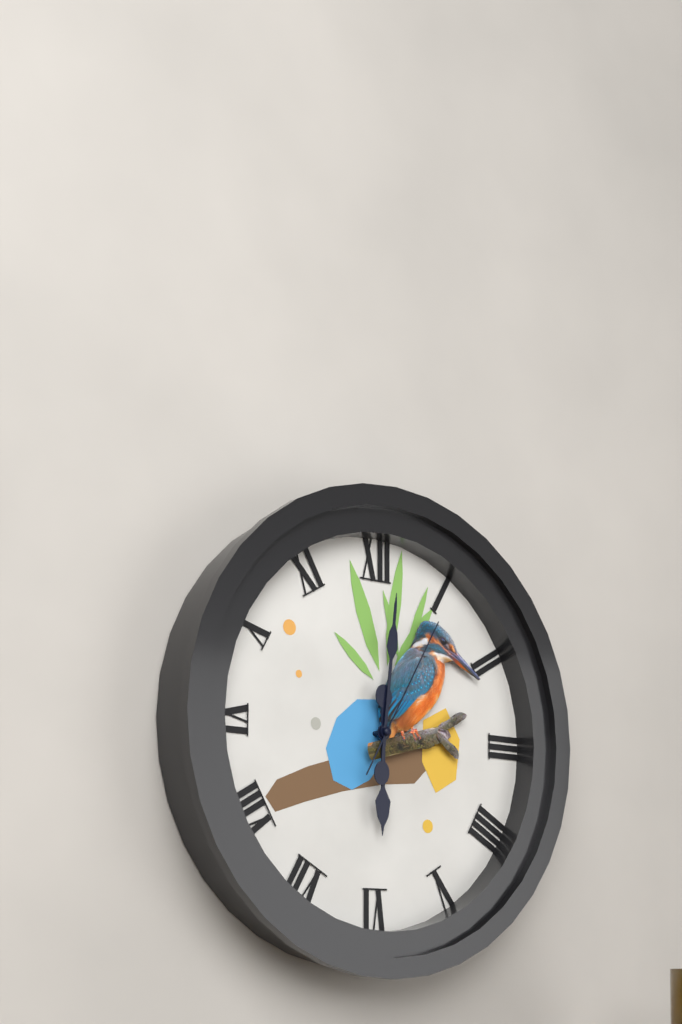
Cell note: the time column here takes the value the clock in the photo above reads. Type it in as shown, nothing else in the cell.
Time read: 6:01:05
